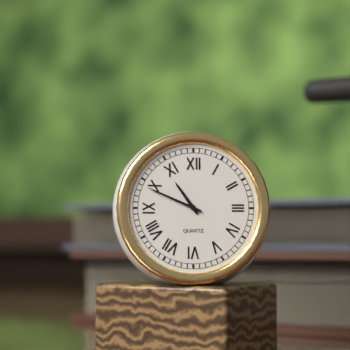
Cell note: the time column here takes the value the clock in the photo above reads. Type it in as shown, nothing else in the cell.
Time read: 10:49
